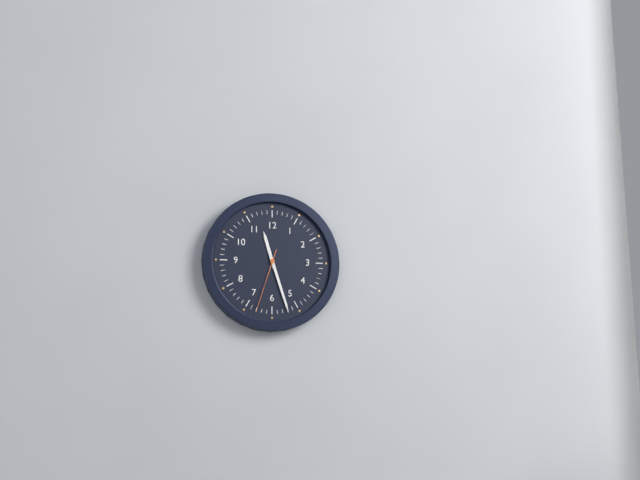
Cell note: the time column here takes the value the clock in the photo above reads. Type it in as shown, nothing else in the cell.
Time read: 11:27:33
